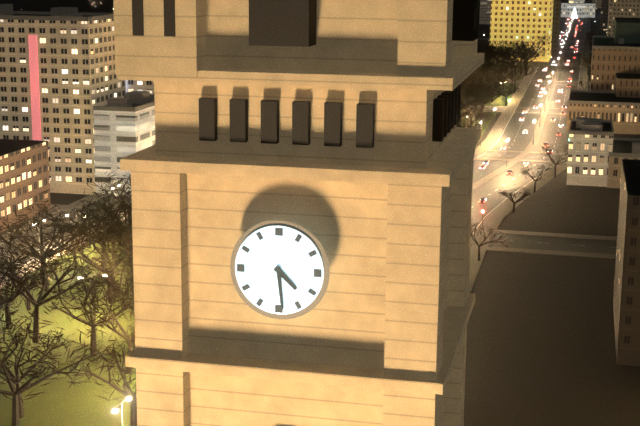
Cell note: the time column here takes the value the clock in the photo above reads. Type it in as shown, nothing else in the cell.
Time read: 4:29
